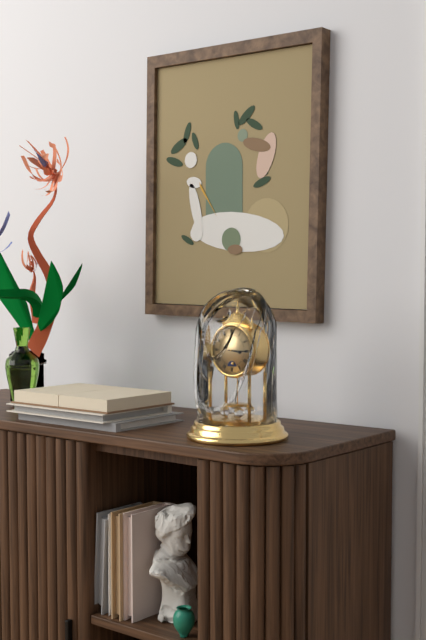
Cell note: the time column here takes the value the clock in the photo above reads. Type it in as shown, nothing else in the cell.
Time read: 3:15
